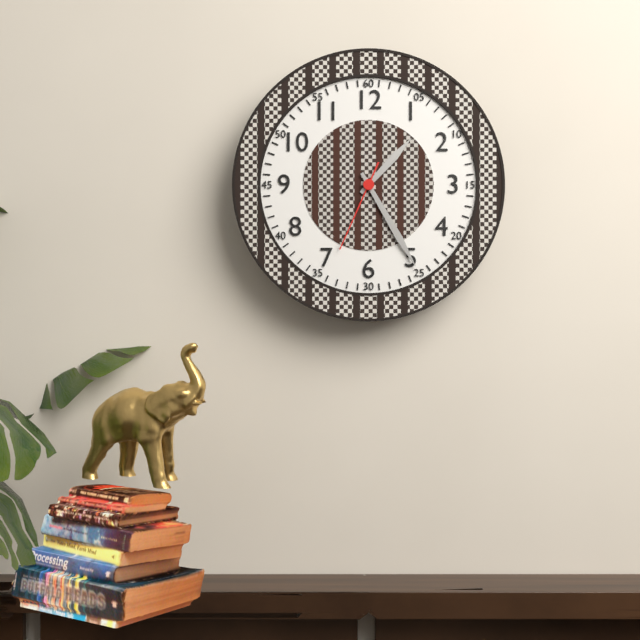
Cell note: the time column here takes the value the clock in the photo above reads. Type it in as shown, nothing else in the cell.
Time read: 1:25:34
